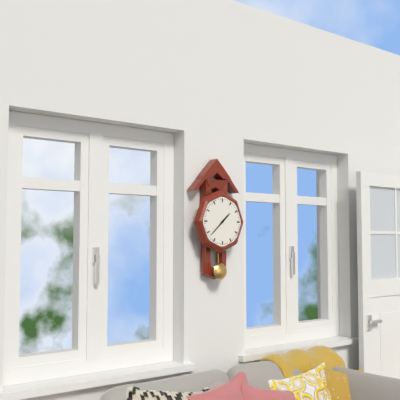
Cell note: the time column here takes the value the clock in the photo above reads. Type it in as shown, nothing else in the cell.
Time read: 1:38
